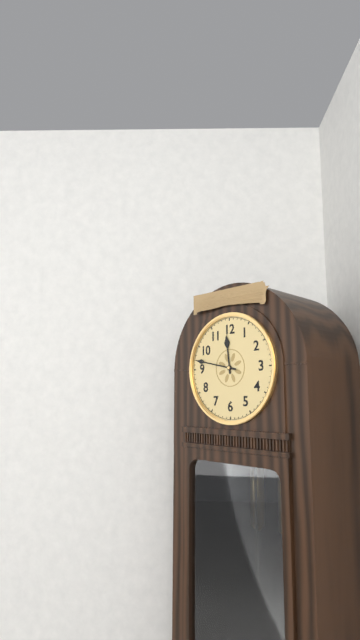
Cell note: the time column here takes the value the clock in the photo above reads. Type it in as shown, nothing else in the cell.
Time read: 11:47
